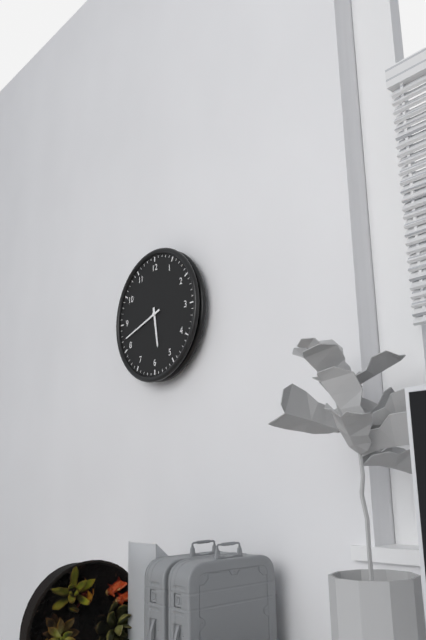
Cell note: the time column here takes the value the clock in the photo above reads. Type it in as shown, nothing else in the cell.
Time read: 5:42
